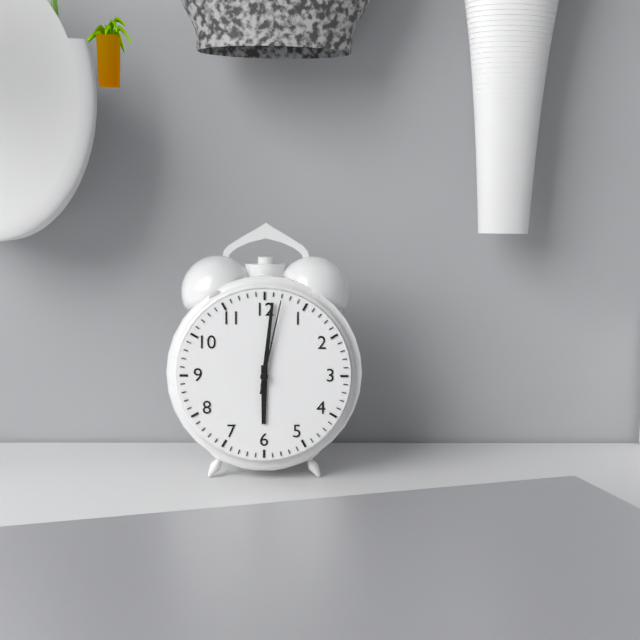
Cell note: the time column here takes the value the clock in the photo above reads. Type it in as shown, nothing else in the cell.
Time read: 6:01:02
